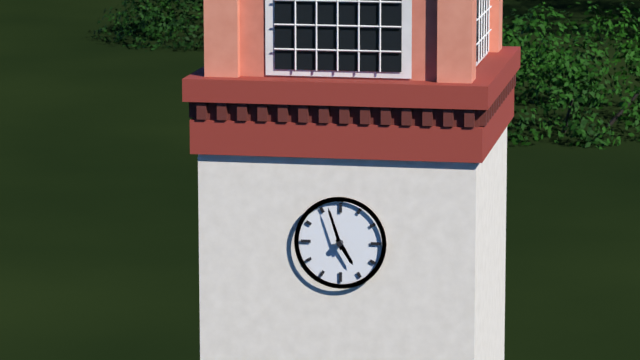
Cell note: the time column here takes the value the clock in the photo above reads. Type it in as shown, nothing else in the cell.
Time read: 4:57
